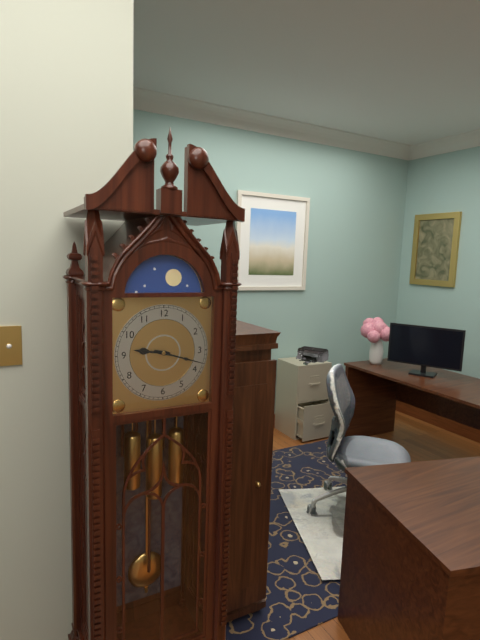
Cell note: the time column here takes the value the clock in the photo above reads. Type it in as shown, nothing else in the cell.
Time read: 9:18
